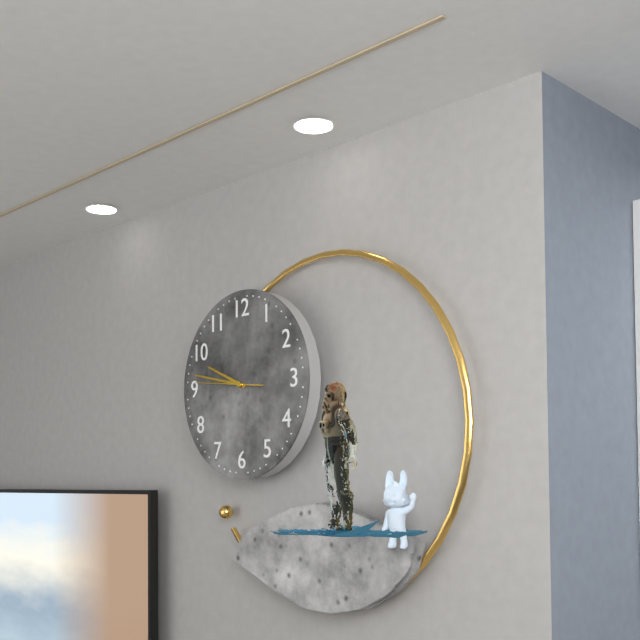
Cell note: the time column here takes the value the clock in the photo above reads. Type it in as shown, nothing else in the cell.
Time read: 9:47:46
